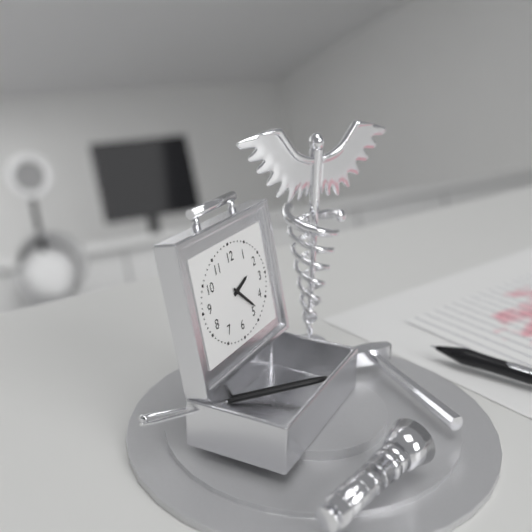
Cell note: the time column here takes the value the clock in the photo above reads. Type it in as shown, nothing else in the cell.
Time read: 2:22
